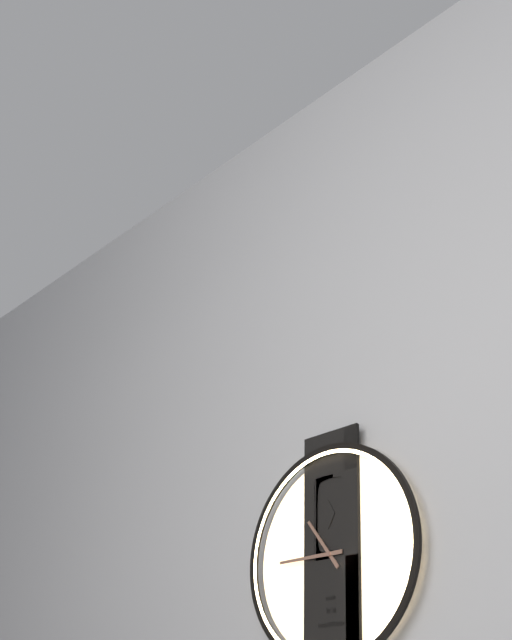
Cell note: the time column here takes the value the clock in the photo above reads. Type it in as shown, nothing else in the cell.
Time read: 10:45
